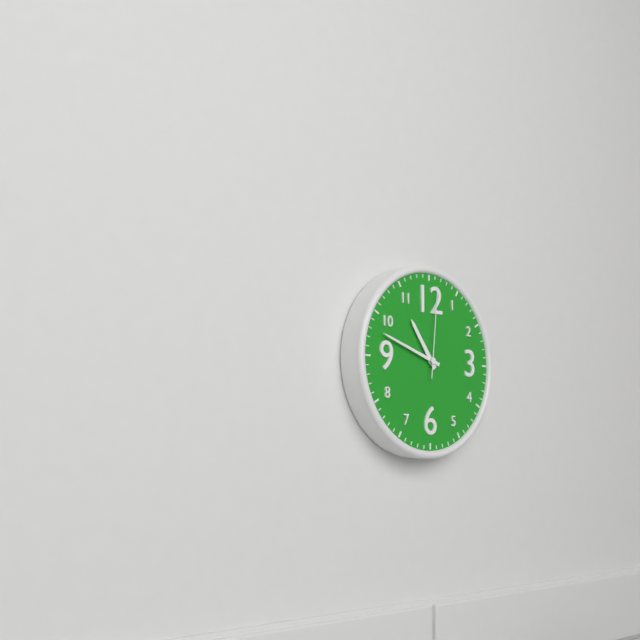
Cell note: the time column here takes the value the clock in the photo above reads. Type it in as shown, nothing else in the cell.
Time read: 10:48:01
